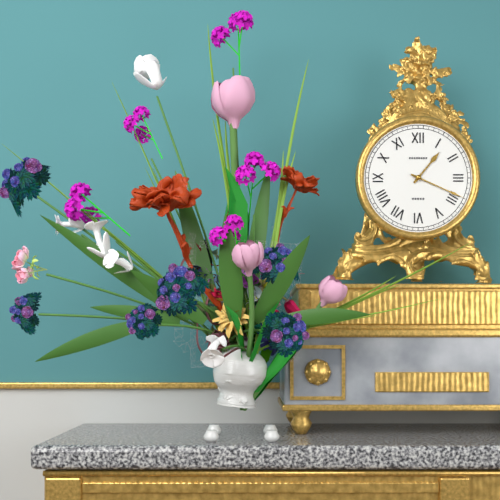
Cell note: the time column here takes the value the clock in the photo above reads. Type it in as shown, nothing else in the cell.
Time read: 1:19
